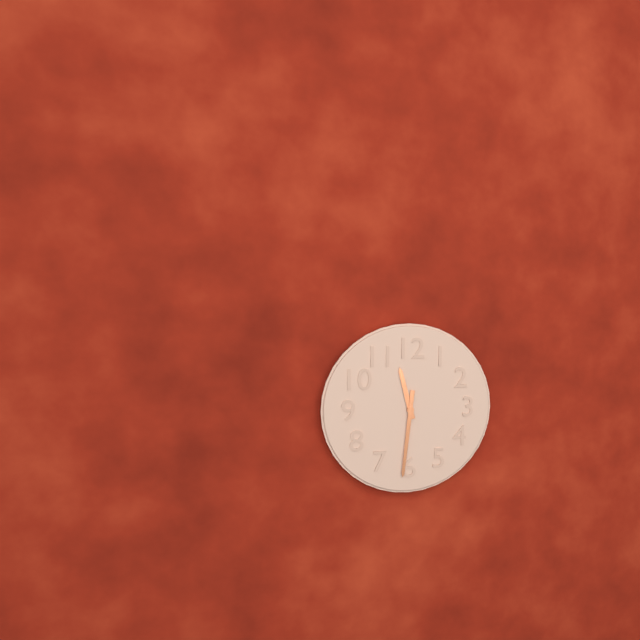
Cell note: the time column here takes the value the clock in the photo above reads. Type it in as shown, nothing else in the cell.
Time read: 11:31
